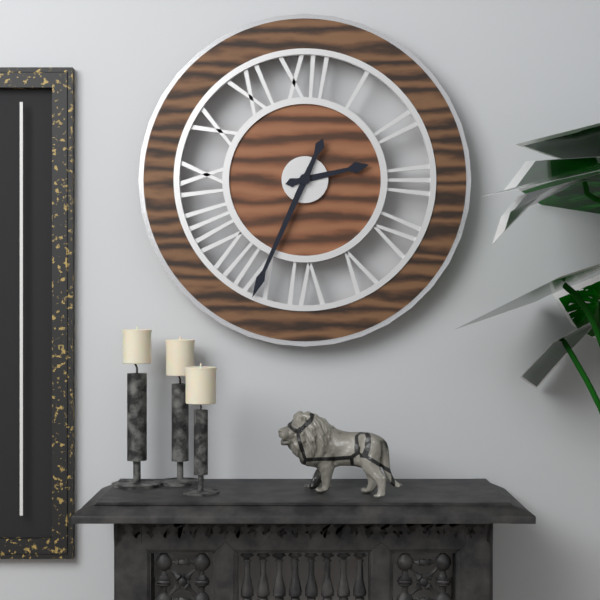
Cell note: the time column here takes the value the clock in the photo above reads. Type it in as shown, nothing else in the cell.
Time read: 2:34
